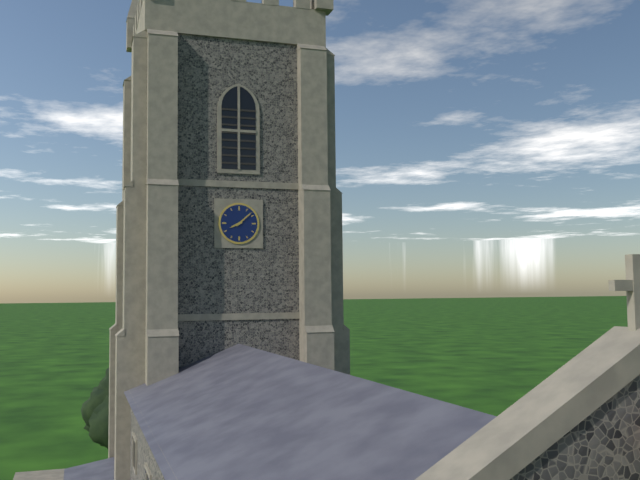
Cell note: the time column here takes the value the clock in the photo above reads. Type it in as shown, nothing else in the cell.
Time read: 8:08
